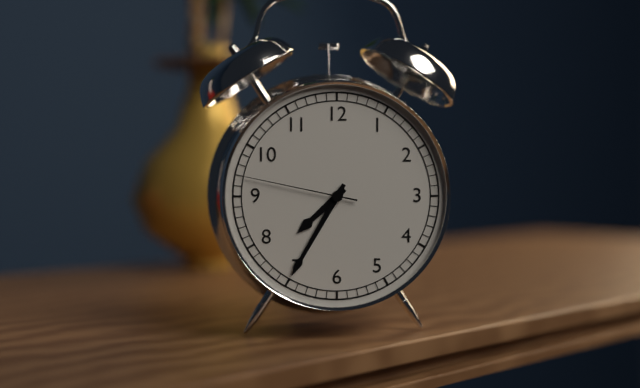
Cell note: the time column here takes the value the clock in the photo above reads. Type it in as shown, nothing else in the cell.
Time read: 7:35:47
